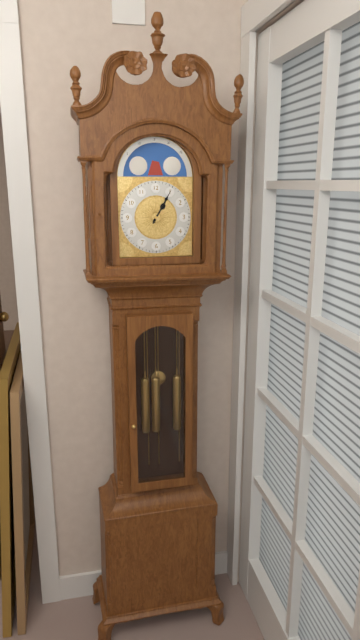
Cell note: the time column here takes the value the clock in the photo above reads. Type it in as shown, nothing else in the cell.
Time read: 1:05
